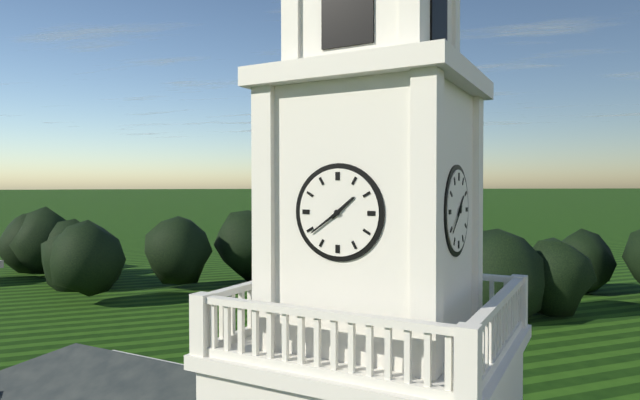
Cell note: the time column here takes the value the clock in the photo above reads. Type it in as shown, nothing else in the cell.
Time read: 1:39
